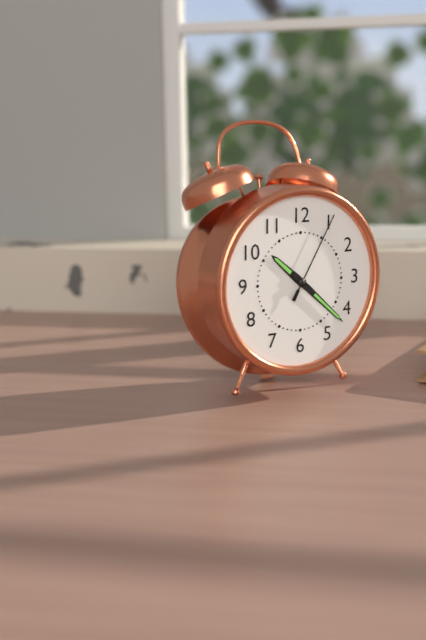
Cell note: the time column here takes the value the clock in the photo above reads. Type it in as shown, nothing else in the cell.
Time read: 10:22:05
